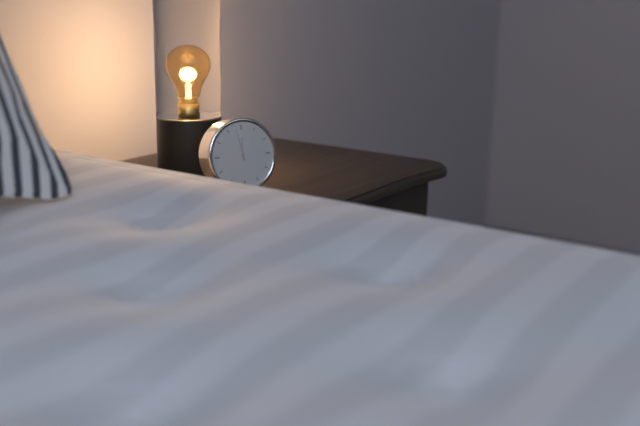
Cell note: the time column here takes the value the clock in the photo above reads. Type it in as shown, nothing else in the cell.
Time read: 11:58
